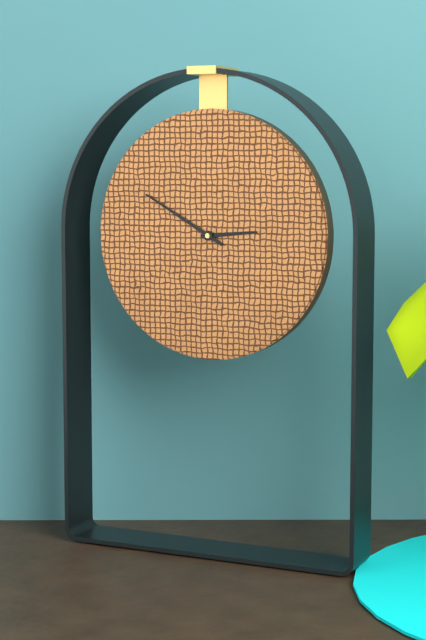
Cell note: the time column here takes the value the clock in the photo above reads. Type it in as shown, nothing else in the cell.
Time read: 2:50
